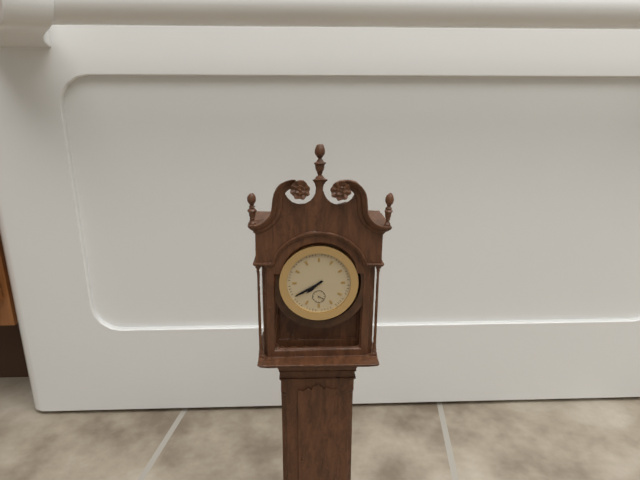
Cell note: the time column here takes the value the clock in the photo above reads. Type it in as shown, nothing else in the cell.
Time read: 7:40
